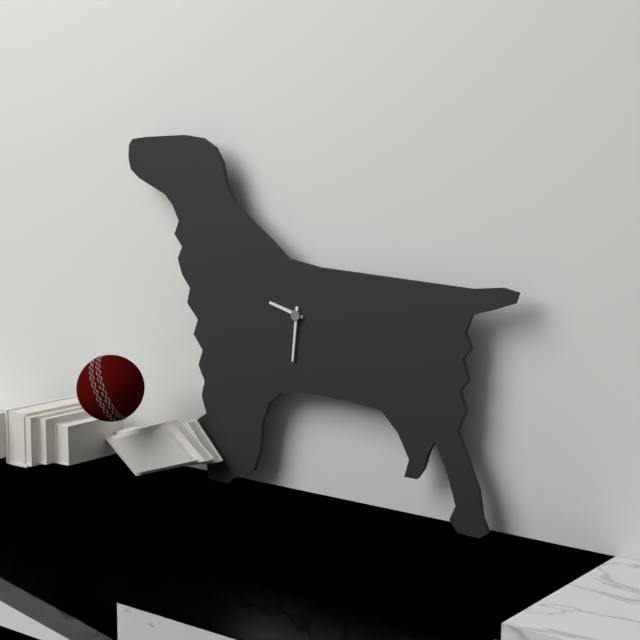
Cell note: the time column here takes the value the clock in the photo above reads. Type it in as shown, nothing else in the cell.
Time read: 9:31
